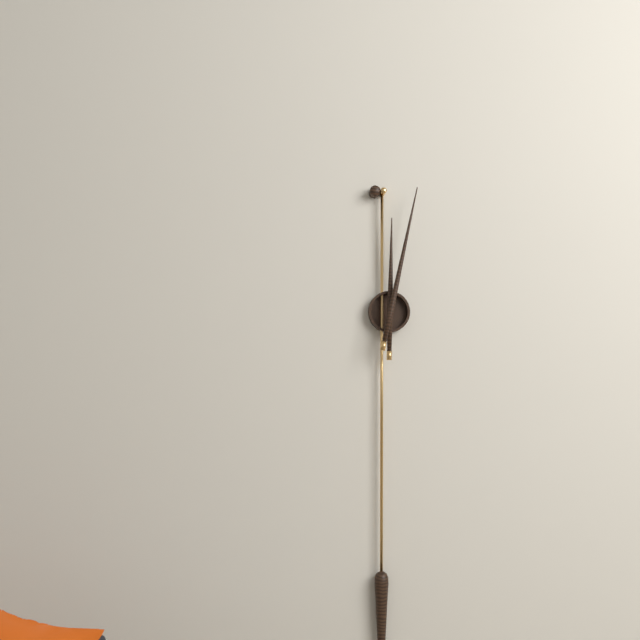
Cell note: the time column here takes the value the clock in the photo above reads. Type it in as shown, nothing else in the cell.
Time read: 12:02
